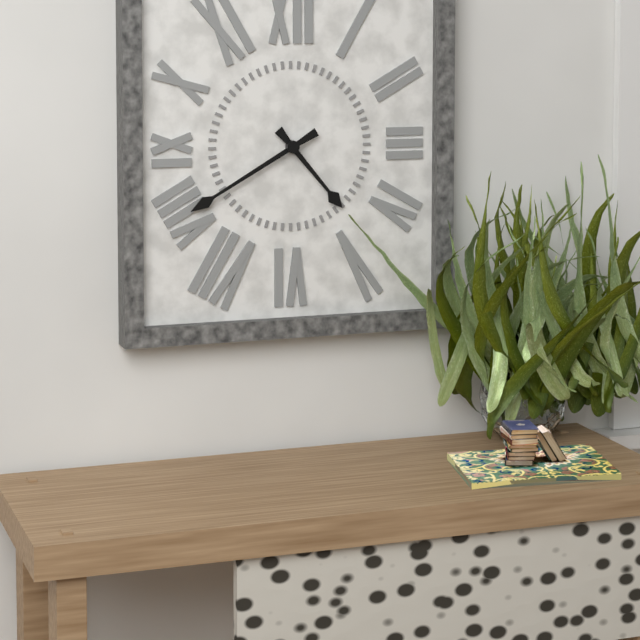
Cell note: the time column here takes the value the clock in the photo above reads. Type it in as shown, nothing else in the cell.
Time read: 4:40
